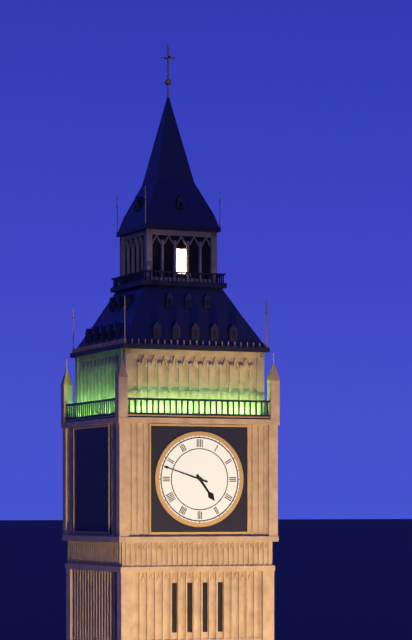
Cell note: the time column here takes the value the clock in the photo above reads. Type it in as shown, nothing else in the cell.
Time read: 4:48
